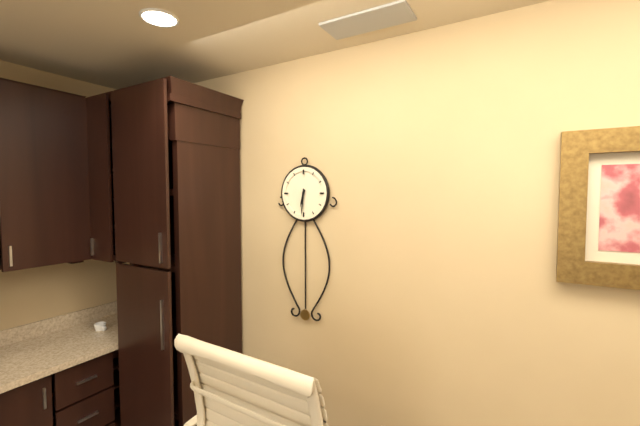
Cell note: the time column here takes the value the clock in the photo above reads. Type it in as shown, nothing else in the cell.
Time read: 6:31
